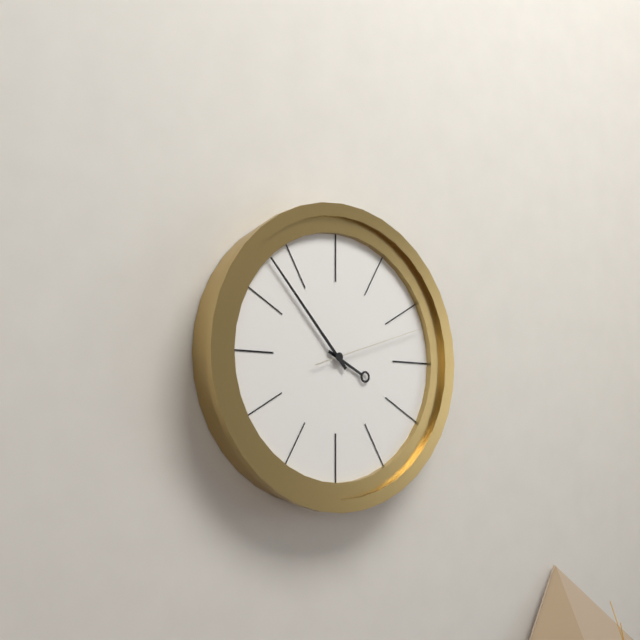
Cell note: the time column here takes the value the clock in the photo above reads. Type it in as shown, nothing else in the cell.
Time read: 3:53:12
